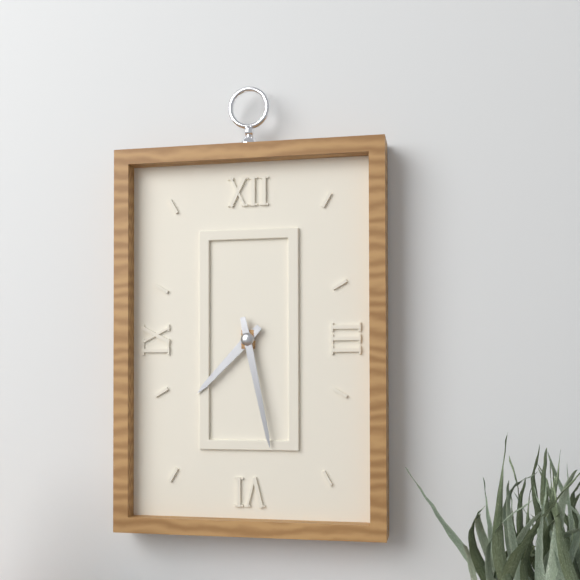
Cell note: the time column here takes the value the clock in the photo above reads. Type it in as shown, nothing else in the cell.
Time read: 7:28
